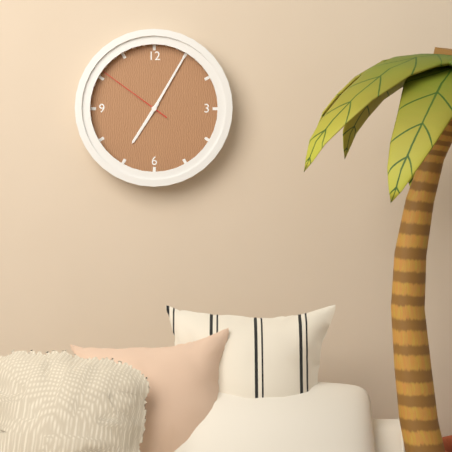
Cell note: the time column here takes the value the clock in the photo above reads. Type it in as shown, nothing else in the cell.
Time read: 7:05:51
